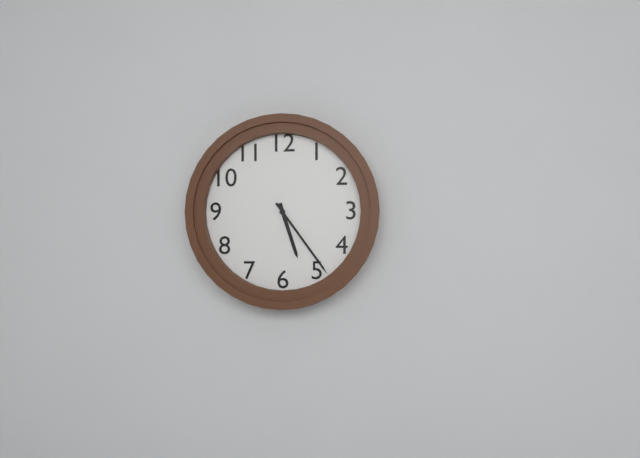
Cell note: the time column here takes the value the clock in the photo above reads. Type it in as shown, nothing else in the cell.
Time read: 5:24
